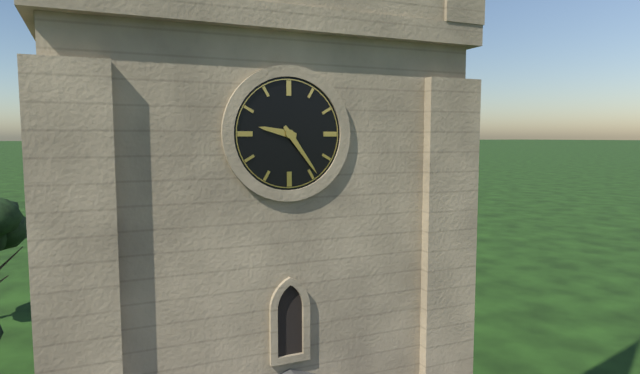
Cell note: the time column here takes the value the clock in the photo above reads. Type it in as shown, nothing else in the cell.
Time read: 9:24
